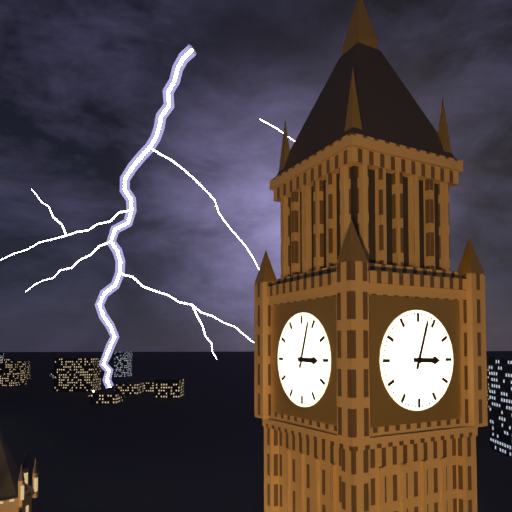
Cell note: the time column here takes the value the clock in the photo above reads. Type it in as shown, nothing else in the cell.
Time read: 3:03
